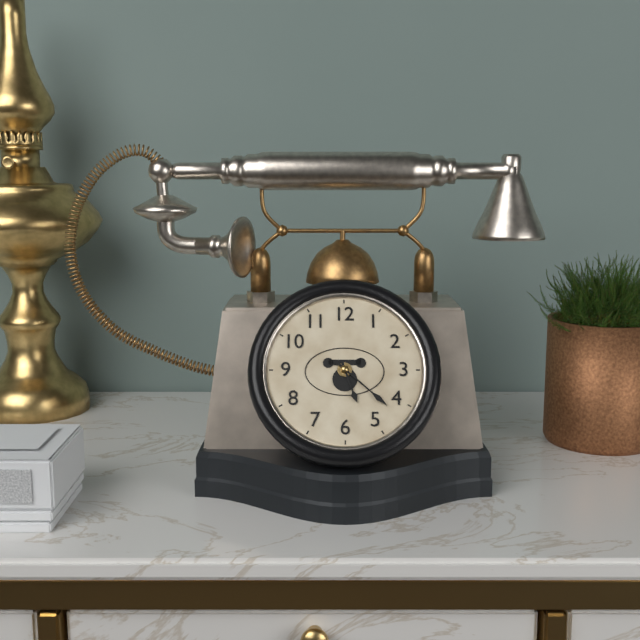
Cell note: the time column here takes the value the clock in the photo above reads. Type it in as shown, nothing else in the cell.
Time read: 5:22
